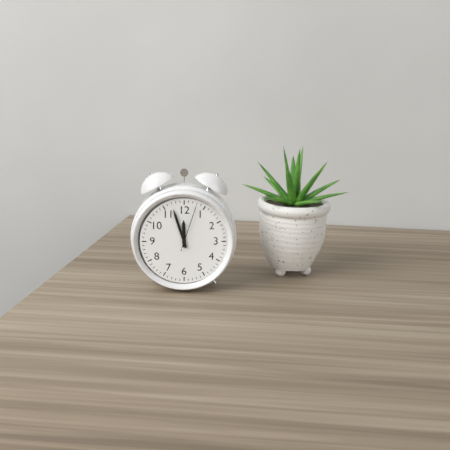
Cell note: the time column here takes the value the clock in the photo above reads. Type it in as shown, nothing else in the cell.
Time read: 11:57
